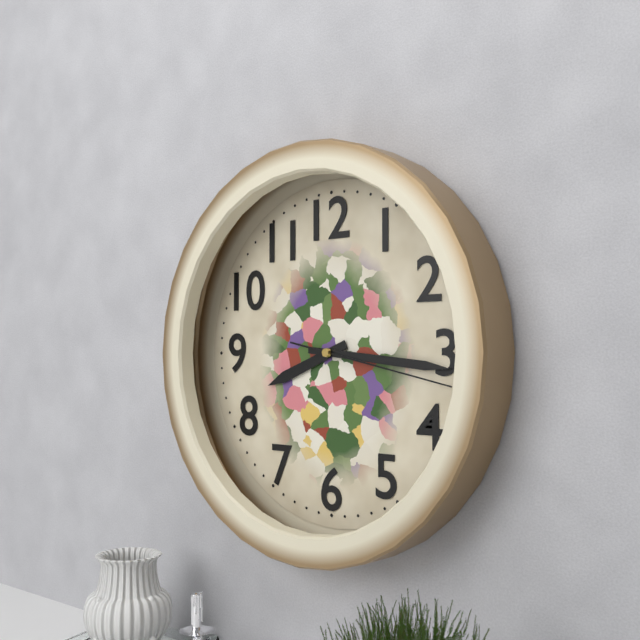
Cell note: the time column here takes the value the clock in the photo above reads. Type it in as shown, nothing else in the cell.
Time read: 8:16:17
